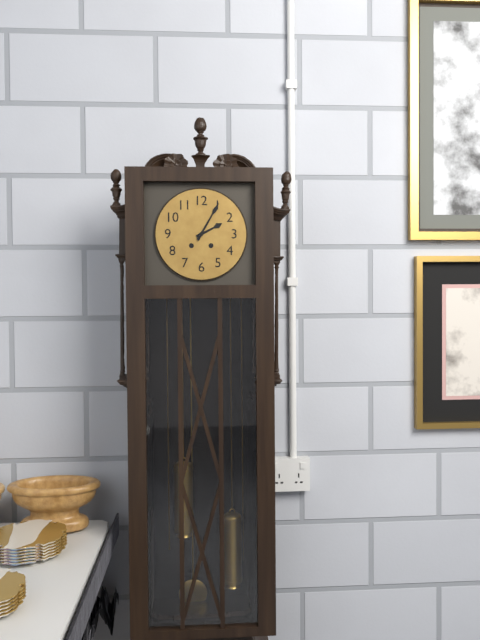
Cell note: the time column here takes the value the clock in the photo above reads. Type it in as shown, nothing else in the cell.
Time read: 2:05
